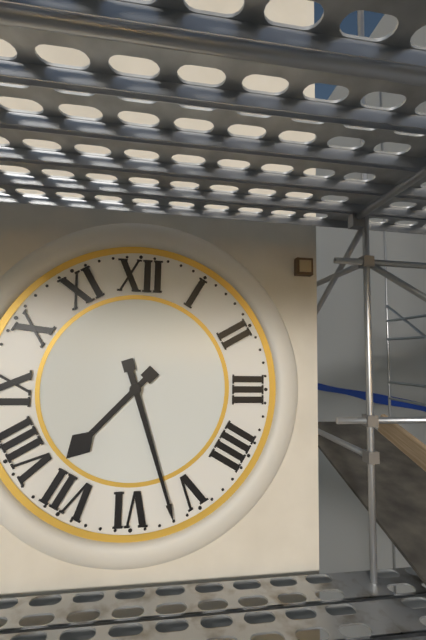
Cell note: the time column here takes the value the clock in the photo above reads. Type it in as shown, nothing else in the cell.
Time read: 7:27
